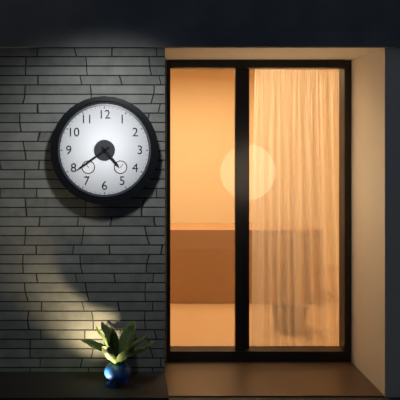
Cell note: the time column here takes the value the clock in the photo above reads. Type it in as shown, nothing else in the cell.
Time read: 4:39
